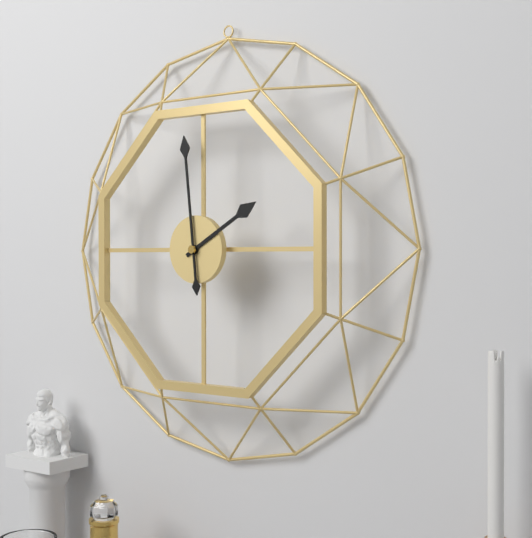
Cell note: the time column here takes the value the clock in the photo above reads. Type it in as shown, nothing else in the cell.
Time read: 1:59
